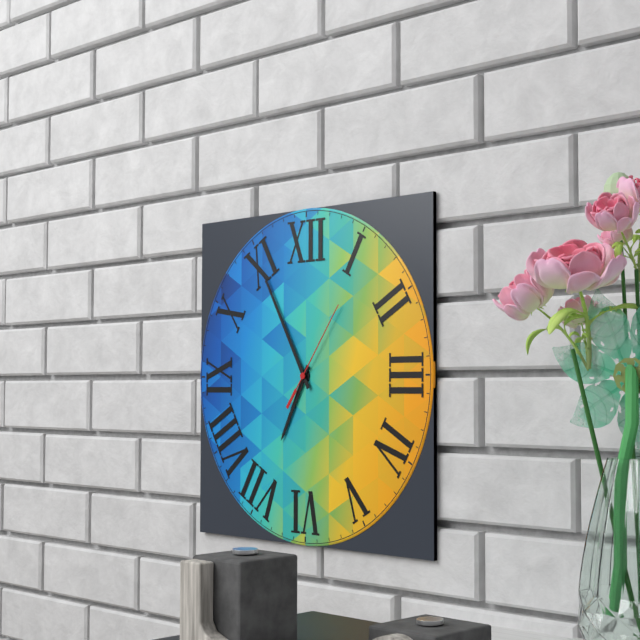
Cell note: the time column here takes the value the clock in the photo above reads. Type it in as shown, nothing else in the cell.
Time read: 6:55:06
